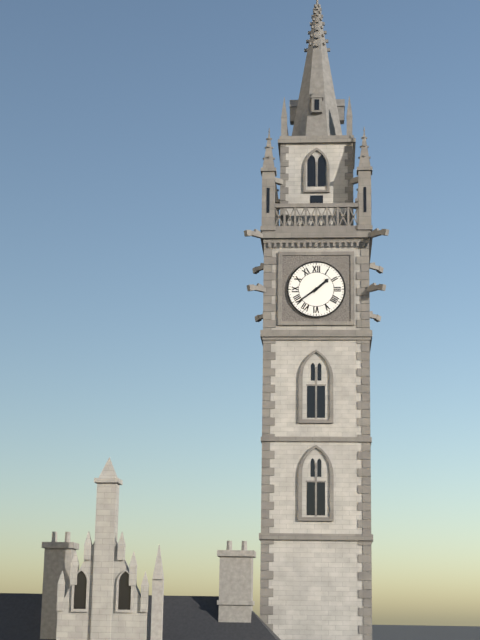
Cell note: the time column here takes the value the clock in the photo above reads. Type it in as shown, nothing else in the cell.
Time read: 1:39
